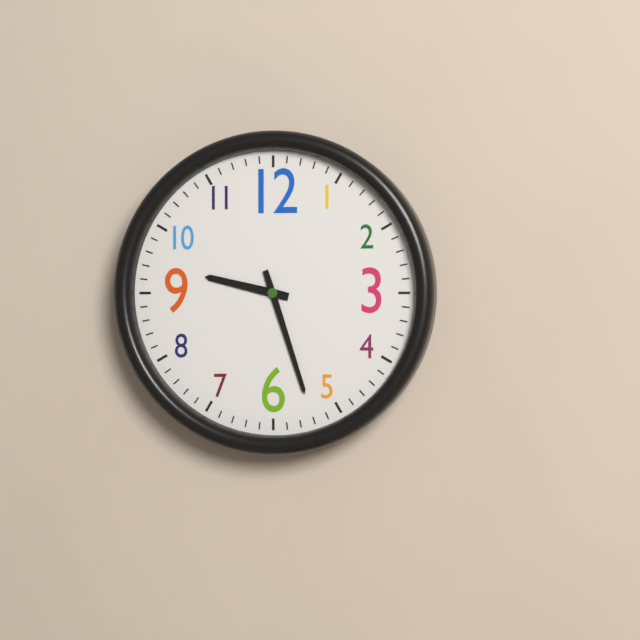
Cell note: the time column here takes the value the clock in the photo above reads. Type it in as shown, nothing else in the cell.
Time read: 9:27
